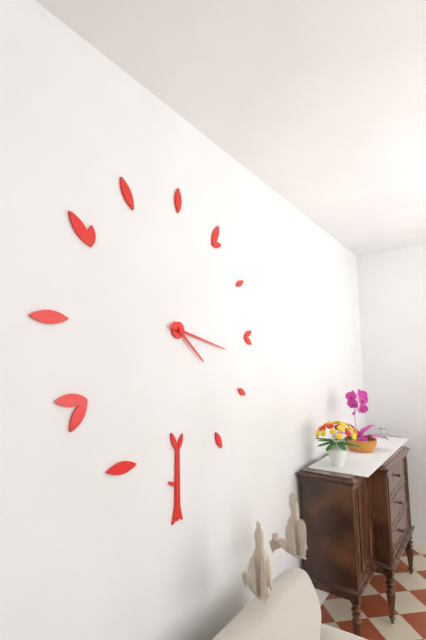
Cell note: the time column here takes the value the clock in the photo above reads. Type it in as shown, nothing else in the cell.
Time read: 4:17
